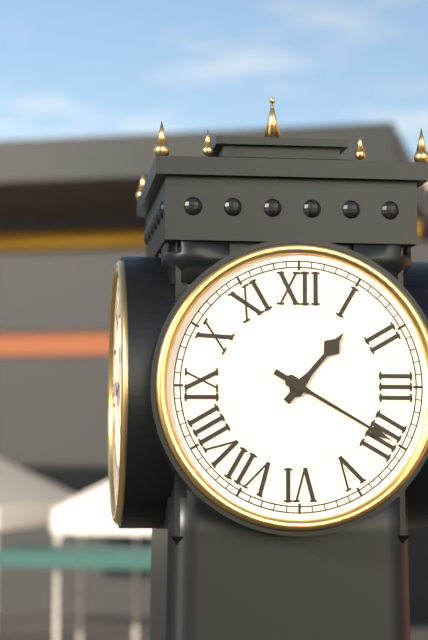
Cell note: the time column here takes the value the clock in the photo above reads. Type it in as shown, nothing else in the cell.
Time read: 1:20
